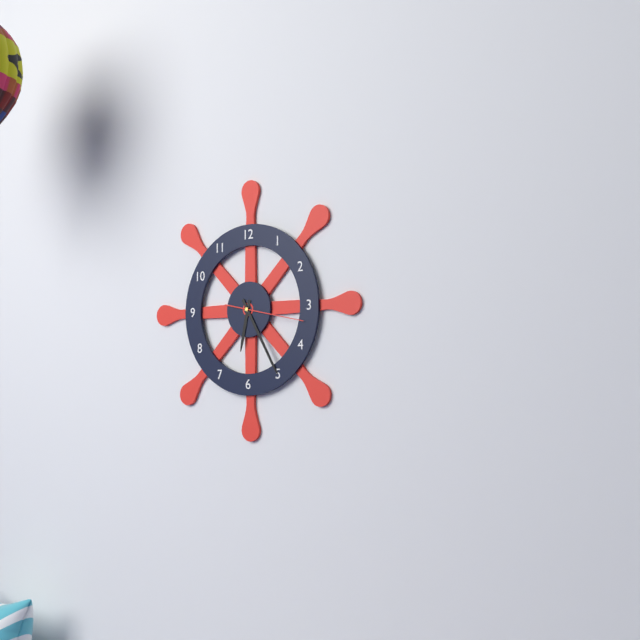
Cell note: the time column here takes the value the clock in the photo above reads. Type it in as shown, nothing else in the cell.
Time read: 6:25:17
